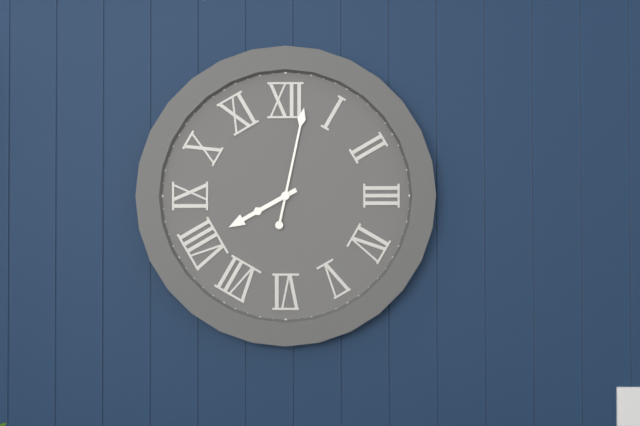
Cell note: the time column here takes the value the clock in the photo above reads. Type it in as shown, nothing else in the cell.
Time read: 8:02
